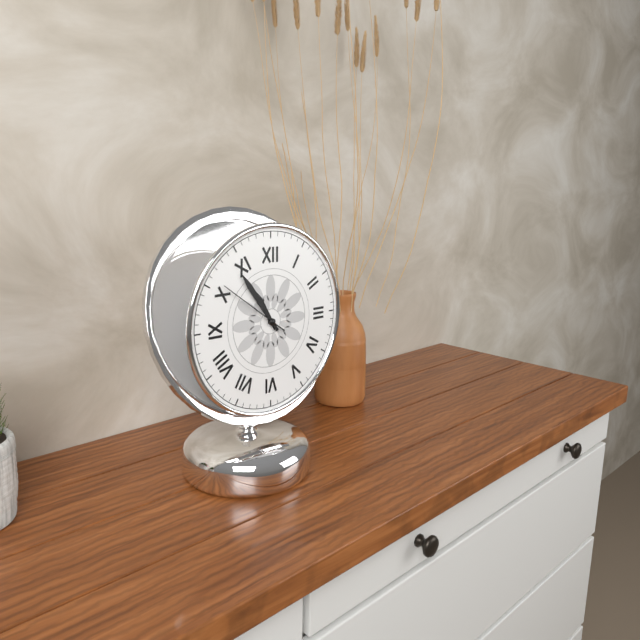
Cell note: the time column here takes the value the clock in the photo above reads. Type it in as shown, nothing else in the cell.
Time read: 10:54:51
